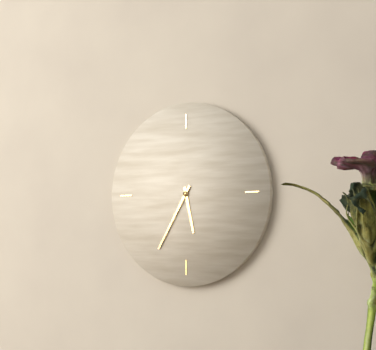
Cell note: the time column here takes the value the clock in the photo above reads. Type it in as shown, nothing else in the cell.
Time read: 5:35
